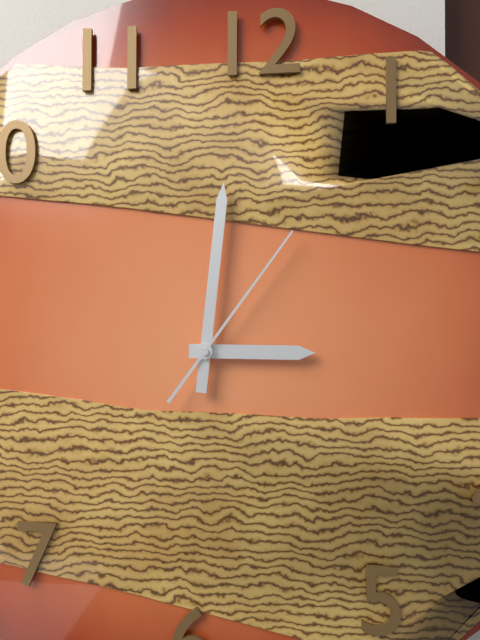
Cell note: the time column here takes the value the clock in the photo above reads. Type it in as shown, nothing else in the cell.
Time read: 3:01:06
